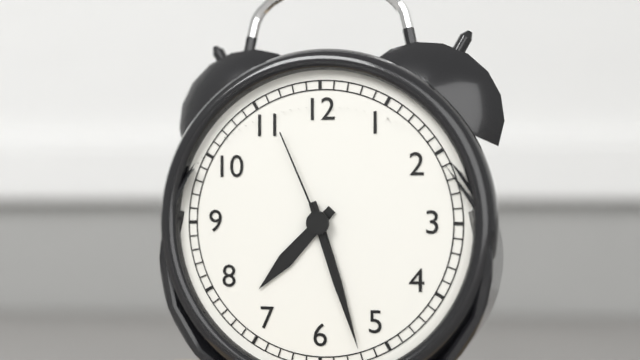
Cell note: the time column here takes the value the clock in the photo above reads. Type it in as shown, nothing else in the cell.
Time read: 7:27:56
